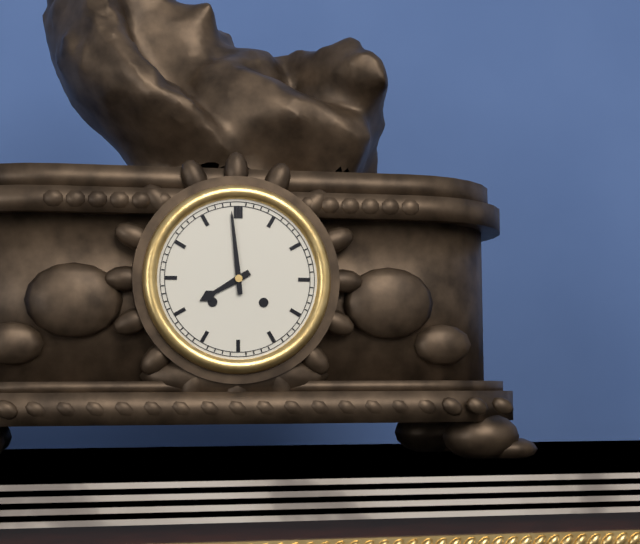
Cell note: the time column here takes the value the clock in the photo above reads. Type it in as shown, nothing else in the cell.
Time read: 7:59
